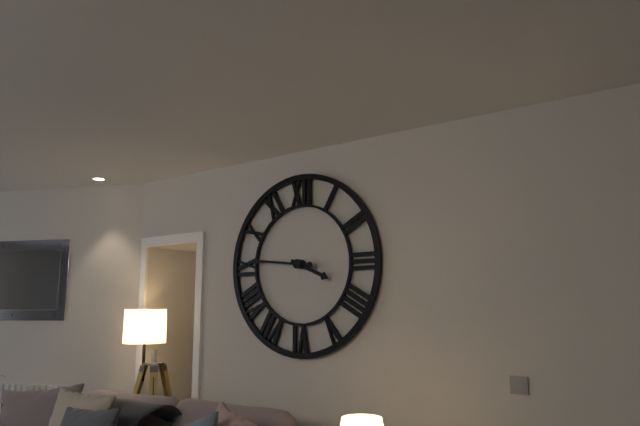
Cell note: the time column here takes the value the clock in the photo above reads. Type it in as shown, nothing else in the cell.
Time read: 3:46
